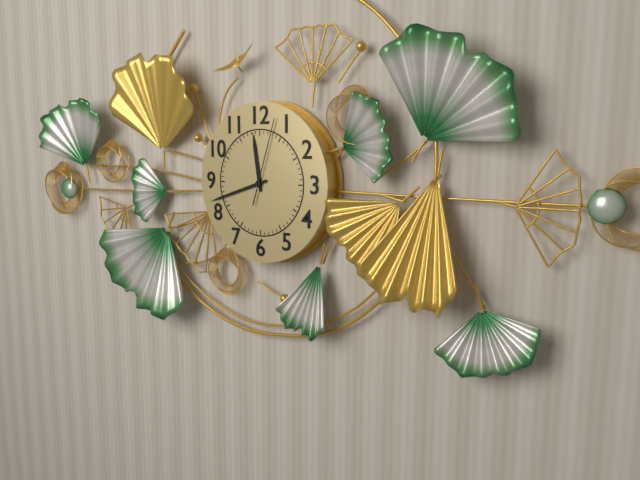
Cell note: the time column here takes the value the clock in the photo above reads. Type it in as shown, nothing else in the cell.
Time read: 11:42:03
